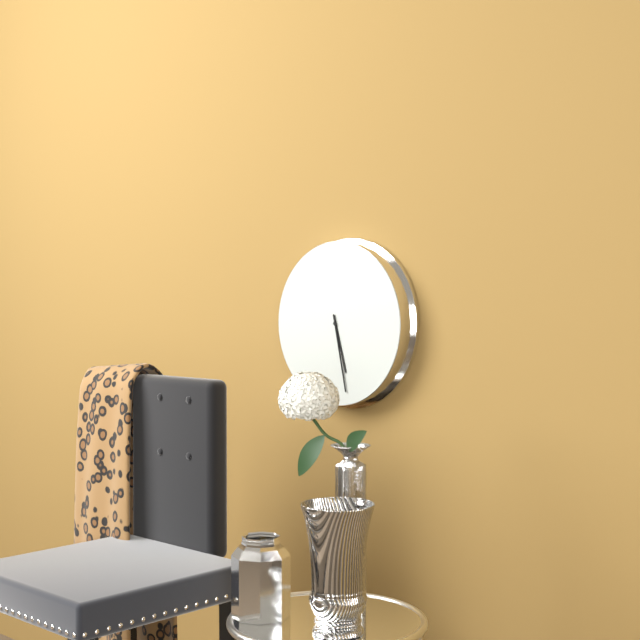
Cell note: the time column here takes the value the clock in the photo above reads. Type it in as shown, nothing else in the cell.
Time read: 5:28
